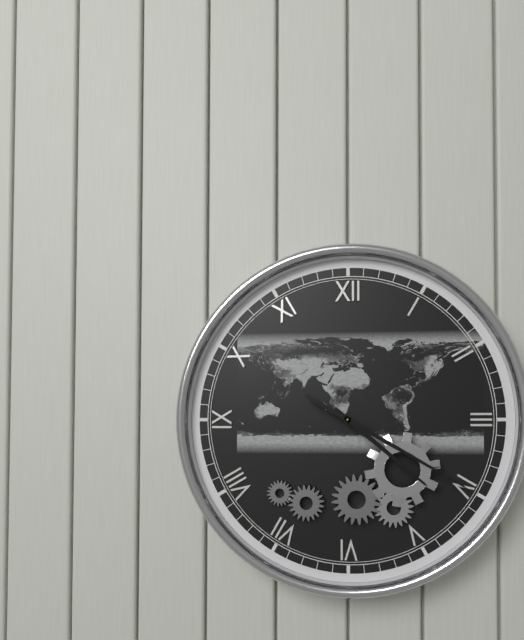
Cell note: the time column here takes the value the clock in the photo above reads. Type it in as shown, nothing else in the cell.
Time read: 4:20
